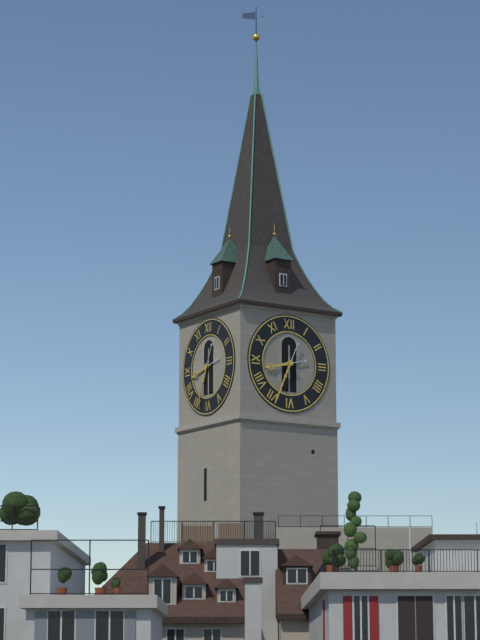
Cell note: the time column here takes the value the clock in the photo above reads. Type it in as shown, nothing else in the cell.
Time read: 8:34
